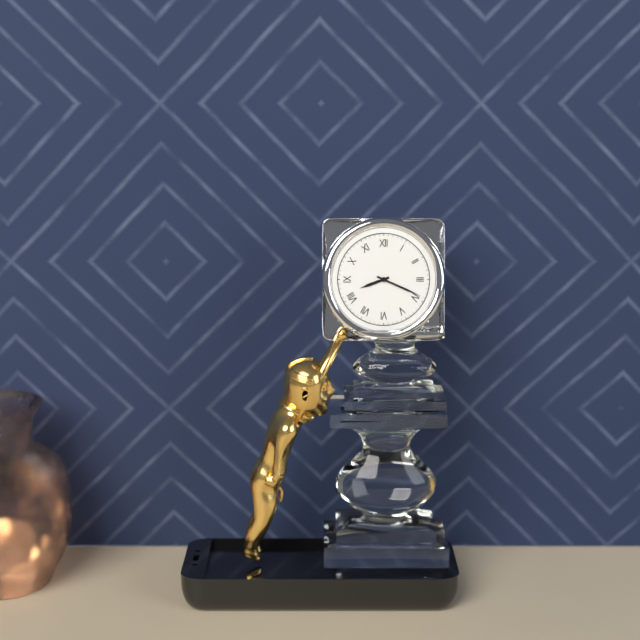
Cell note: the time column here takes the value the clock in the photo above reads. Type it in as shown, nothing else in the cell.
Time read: 8:19
